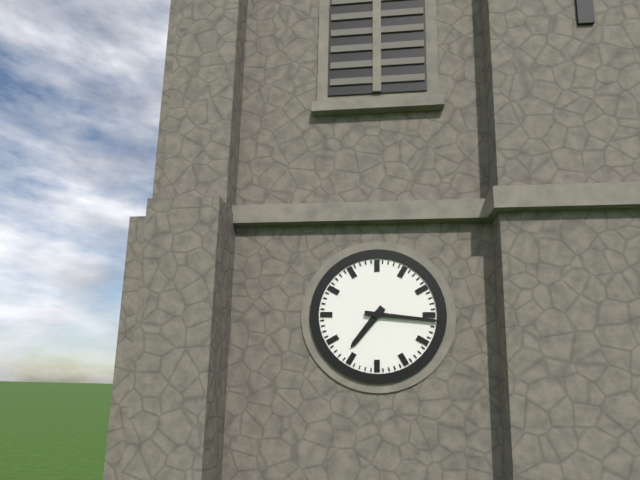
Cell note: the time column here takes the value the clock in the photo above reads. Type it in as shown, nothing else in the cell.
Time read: 7:16
